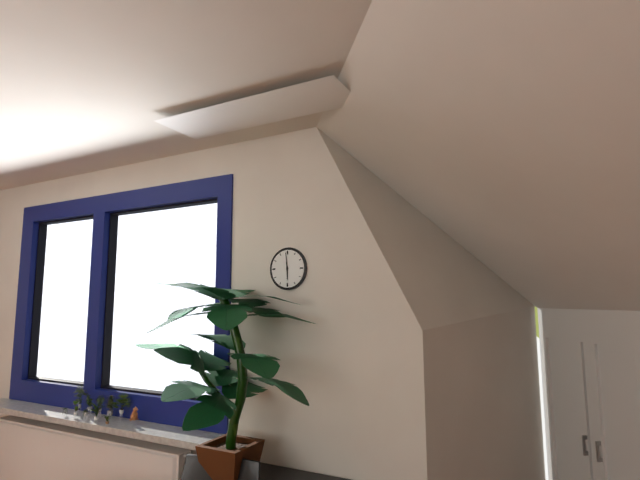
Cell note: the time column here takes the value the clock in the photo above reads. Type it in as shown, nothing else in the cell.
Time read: 5:59
